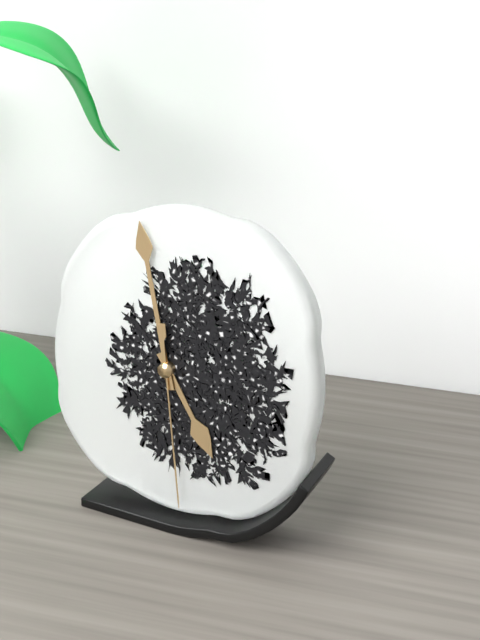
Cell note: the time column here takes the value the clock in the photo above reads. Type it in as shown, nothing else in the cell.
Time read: 4:58:29
